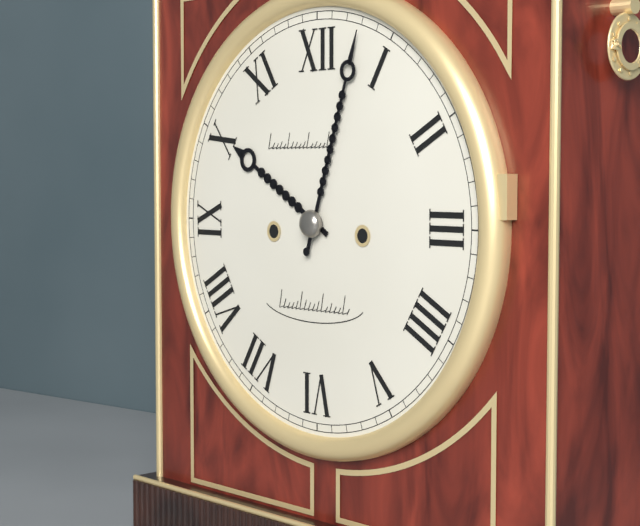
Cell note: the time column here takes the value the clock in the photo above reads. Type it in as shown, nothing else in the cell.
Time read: 10:03
